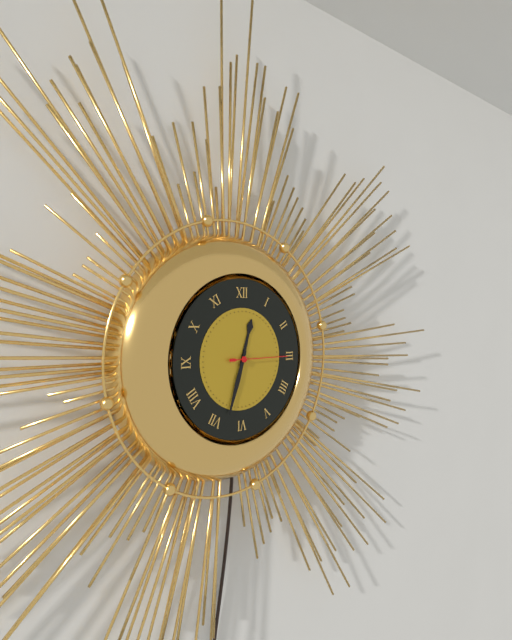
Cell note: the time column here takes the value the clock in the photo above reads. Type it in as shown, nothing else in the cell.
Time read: 12:33:15
